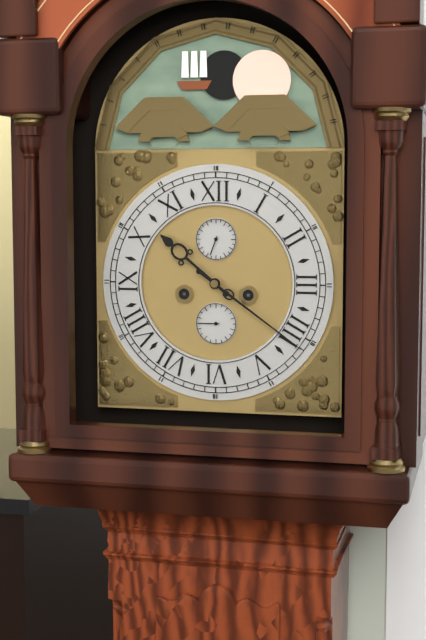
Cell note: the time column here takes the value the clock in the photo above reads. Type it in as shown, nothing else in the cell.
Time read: 10:21
